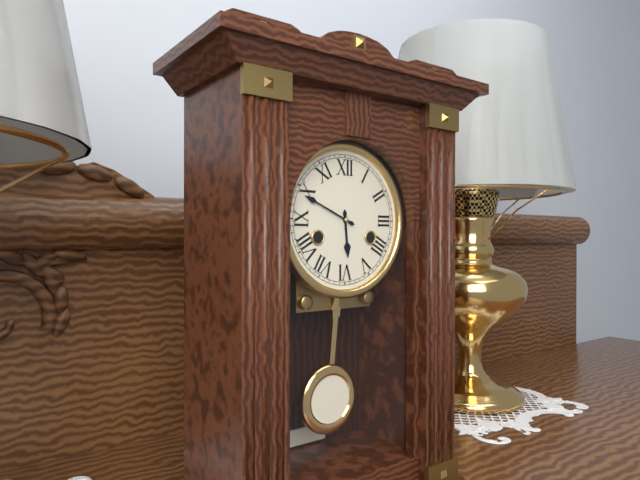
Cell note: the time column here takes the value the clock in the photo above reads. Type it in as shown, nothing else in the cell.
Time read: 5:49
